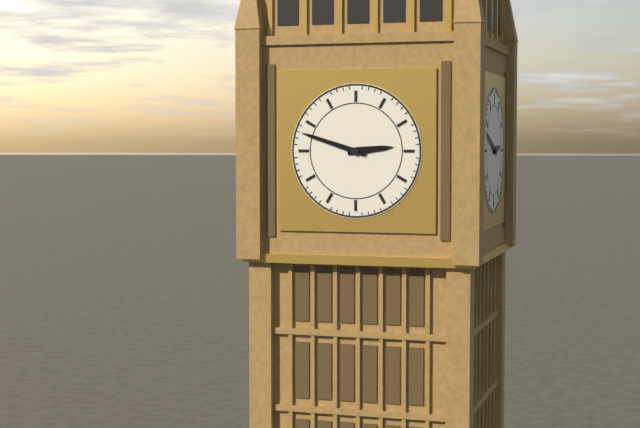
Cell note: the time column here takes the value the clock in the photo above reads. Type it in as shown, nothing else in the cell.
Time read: 2:48
